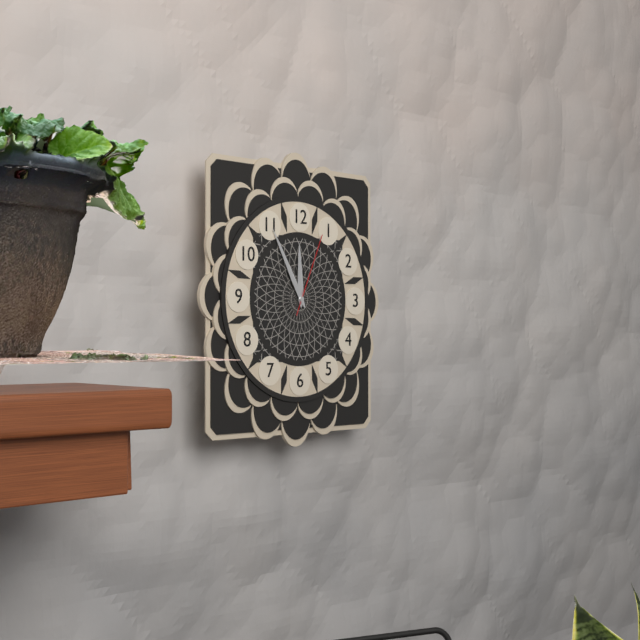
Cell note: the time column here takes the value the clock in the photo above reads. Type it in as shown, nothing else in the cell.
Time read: 11:55:04
